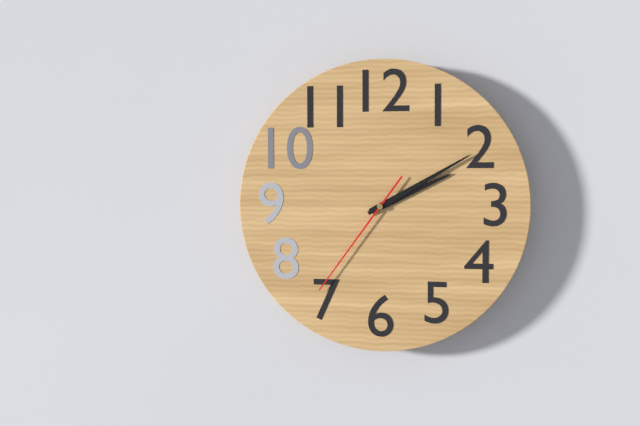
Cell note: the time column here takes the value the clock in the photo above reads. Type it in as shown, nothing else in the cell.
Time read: 2:10:36
